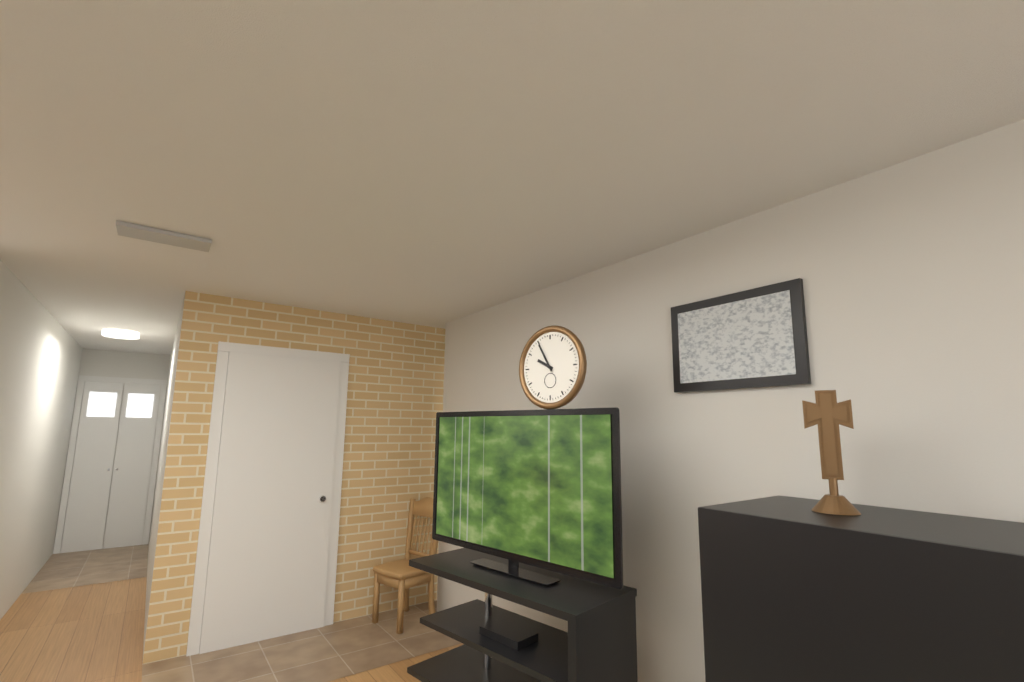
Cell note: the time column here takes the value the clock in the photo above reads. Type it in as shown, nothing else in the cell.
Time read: 9:55
